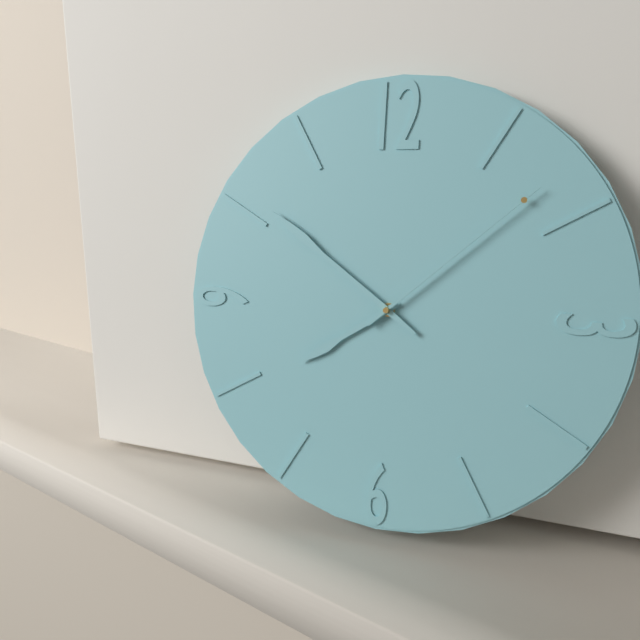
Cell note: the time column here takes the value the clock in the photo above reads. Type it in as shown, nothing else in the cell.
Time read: 7:51:08
